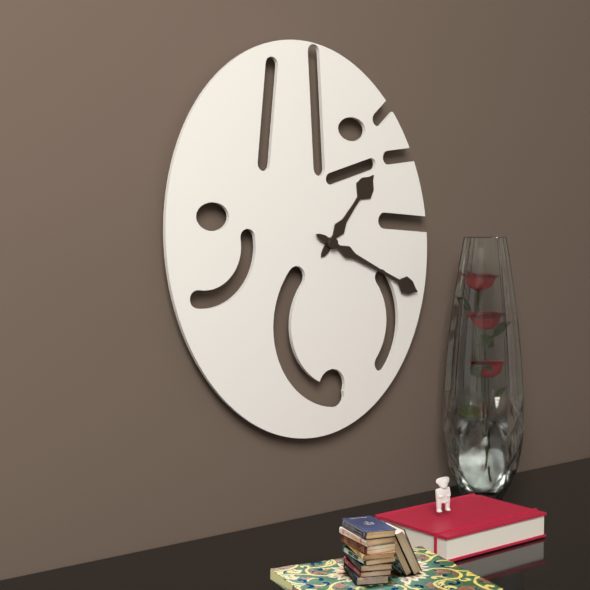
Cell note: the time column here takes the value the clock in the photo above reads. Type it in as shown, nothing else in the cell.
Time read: 1:19
